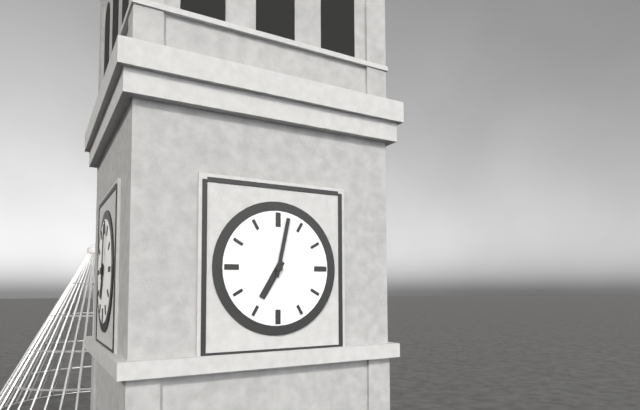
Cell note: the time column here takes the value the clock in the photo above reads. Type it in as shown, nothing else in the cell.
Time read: 7:02
